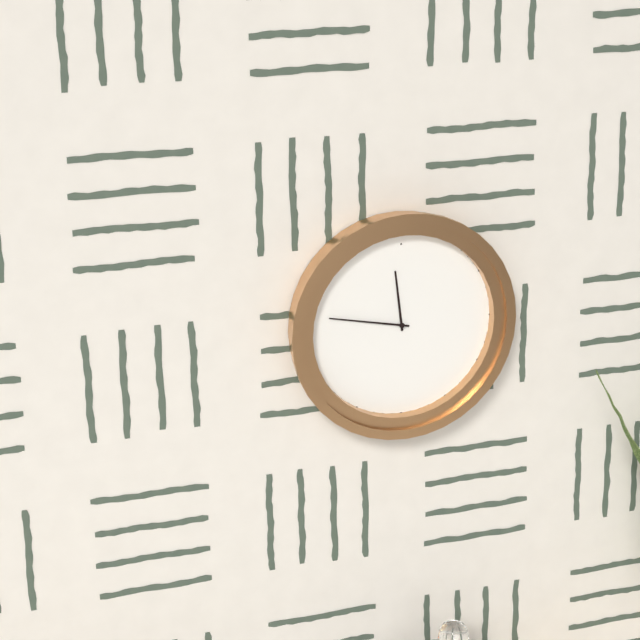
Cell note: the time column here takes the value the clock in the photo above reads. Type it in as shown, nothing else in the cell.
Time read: 11:47
